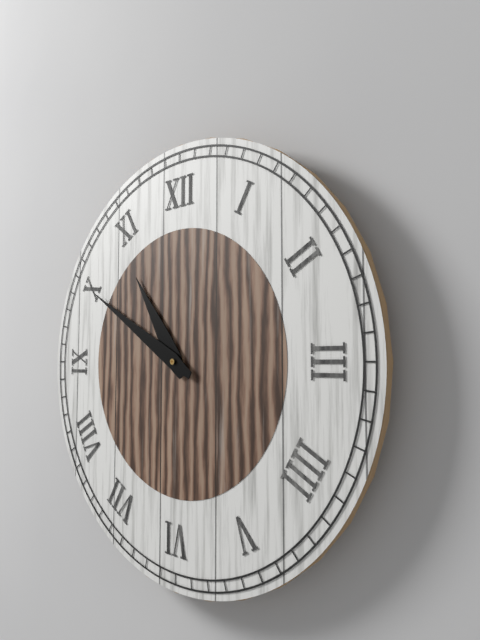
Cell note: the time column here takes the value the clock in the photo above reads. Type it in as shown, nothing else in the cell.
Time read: 10:50
